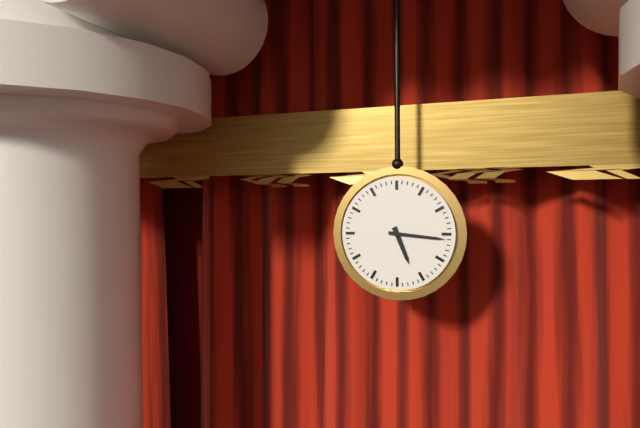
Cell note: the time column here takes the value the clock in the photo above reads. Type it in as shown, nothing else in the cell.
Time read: 5:16
